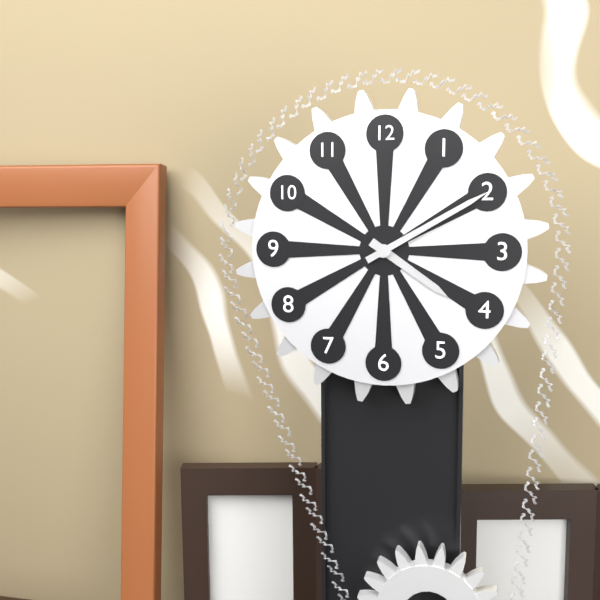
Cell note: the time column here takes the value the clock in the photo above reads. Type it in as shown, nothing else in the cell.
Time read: 4:10
